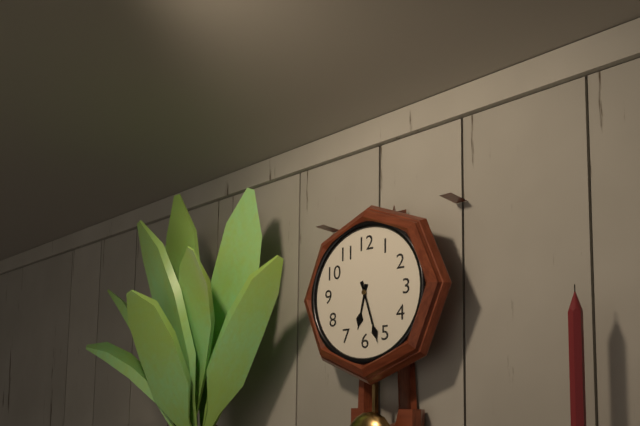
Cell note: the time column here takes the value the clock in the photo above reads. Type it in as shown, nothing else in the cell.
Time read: 6:27
